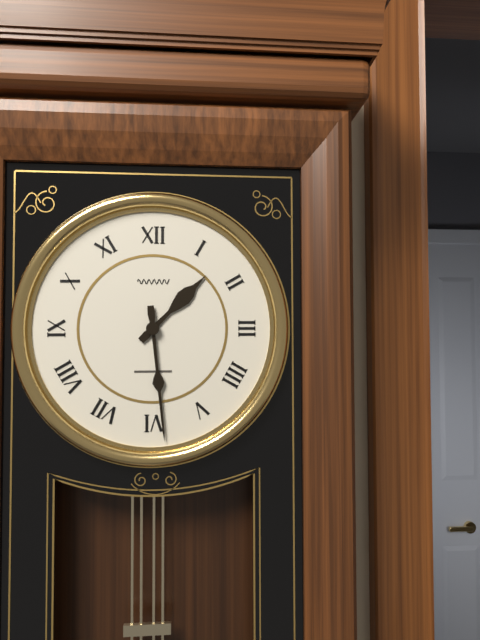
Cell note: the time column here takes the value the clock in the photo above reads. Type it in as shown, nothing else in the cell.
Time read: 1:29
